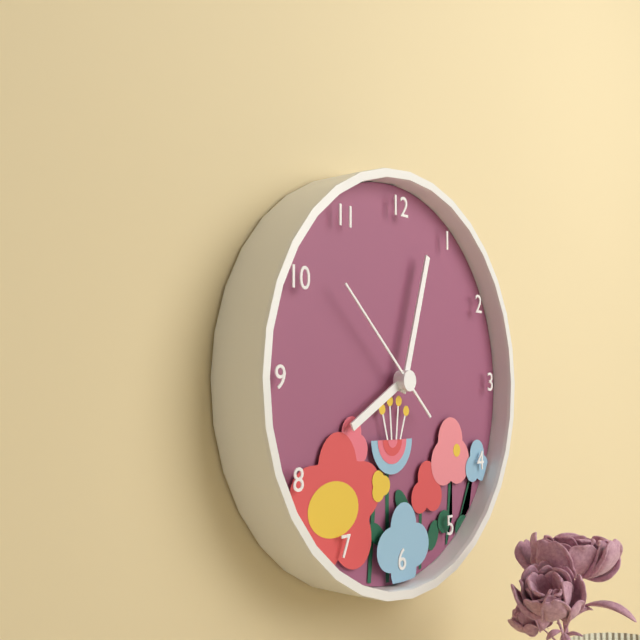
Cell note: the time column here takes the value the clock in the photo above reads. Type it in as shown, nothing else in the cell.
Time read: 8:03:52
